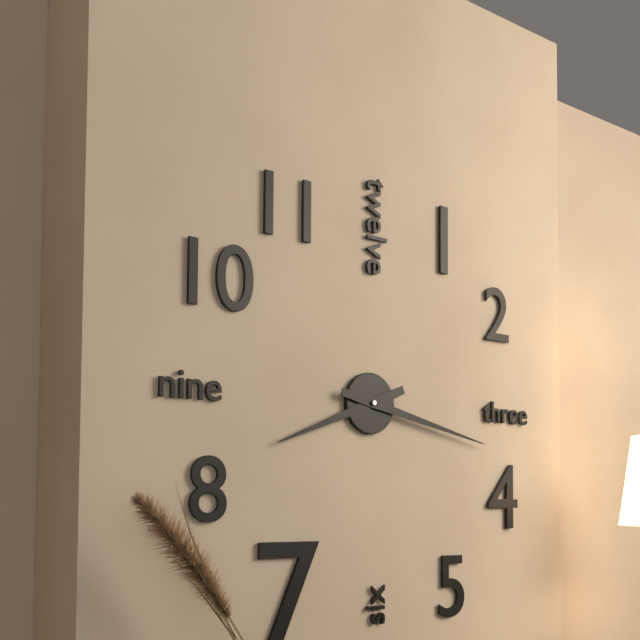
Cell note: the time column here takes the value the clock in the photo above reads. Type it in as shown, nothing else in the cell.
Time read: 8:17
